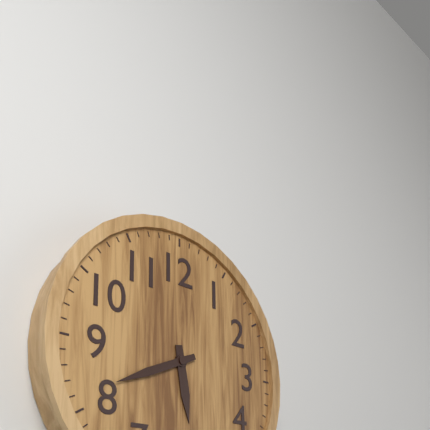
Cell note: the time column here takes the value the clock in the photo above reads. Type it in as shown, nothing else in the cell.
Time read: 5:41
